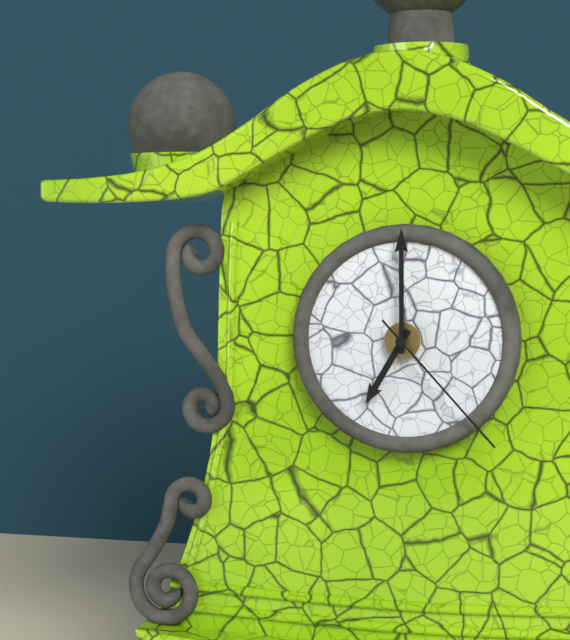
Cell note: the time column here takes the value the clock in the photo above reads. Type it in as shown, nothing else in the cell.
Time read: 7:00:23
